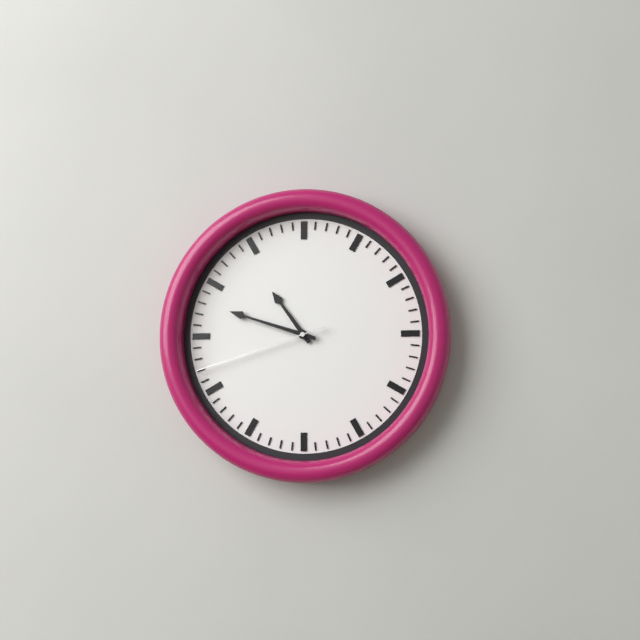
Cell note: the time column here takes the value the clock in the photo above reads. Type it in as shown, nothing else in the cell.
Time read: 10:48:42
